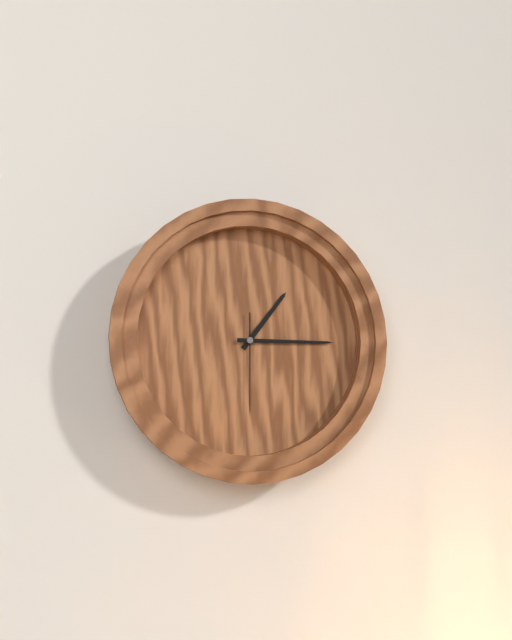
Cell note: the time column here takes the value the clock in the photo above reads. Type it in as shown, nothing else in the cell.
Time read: 1:15:30
